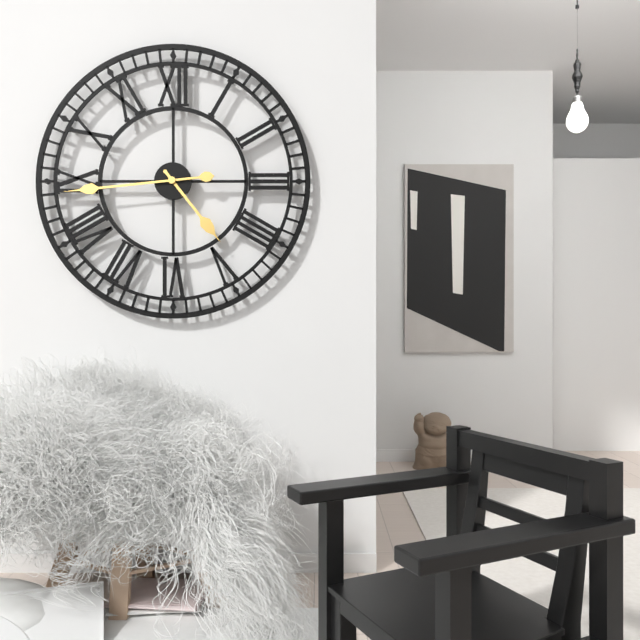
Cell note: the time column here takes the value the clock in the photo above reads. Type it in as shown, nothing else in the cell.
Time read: 4:44
